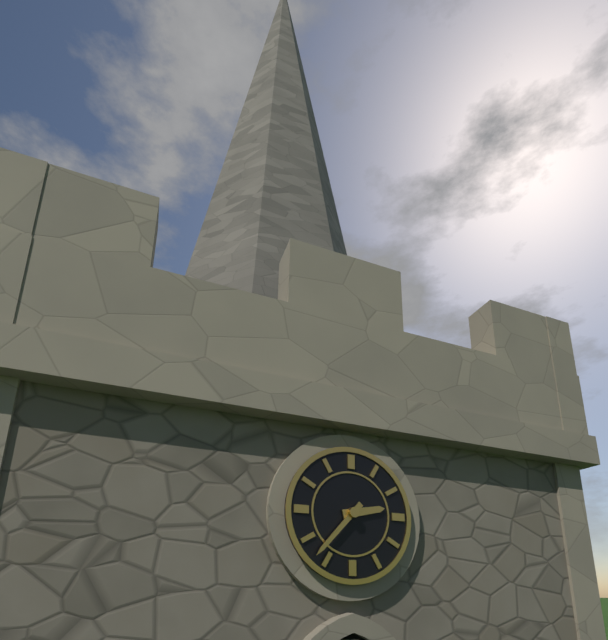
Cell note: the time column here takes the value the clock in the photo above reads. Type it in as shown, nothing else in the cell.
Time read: 2:37
